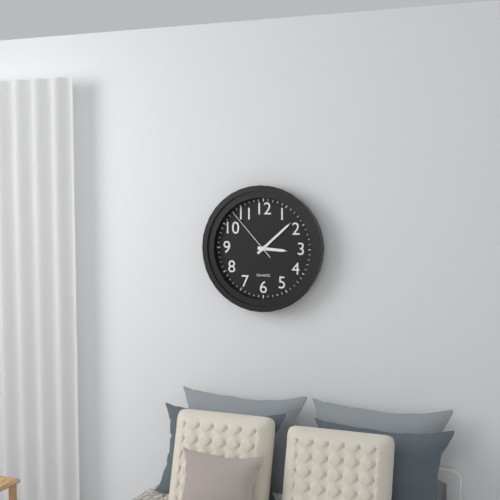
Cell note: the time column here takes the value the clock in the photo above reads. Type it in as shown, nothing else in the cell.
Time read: 3:08:53
